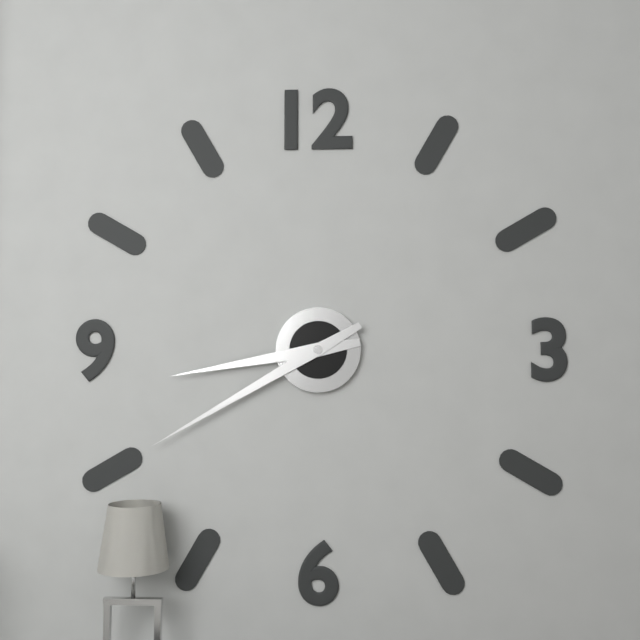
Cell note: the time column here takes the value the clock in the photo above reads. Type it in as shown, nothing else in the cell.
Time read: 8:40
